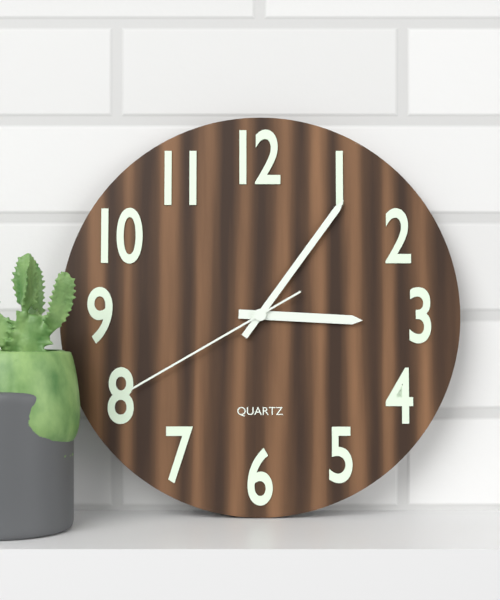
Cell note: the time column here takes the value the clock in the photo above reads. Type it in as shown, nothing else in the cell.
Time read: 3:06:40
